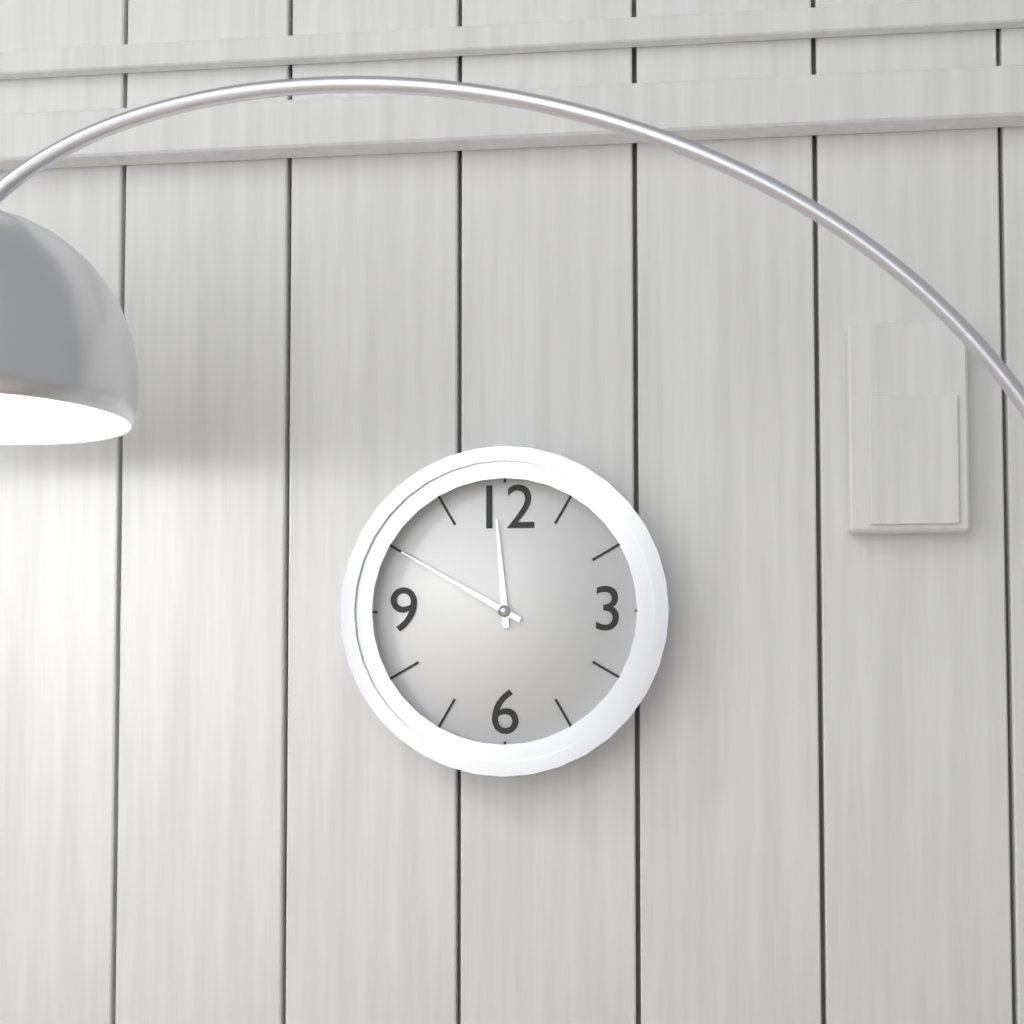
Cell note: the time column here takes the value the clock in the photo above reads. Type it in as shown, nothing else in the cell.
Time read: 11:50
